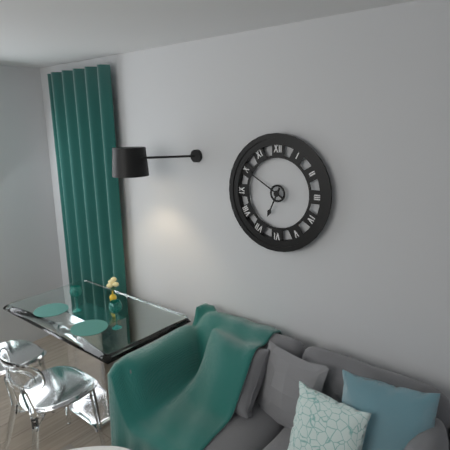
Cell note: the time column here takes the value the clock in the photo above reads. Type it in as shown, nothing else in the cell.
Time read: 6:50
